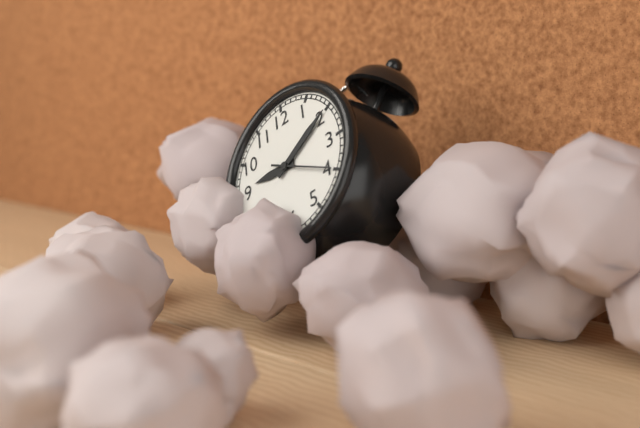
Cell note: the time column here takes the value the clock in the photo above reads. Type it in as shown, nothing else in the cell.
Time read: 9:10:20
